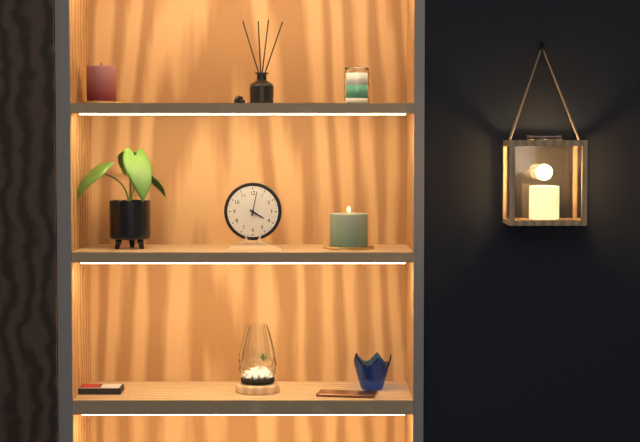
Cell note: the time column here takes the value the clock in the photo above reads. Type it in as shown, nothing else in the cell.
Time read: 4:02
